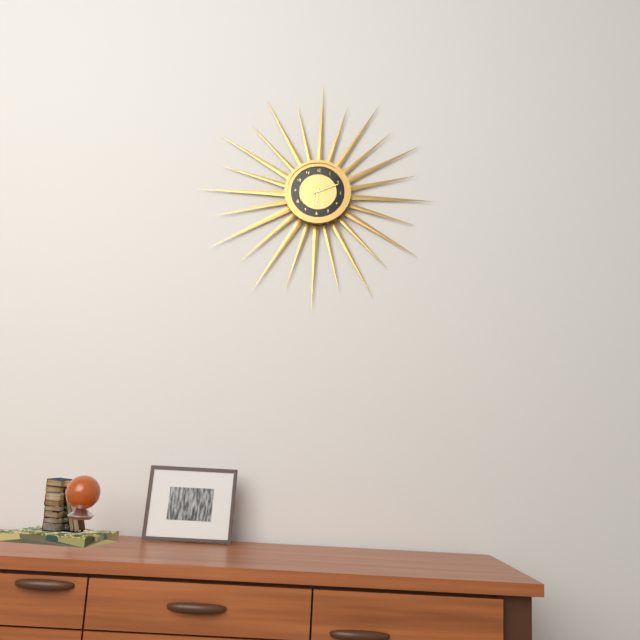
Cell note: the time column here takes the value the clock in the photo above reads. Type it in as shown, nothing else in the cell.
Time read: 6:11
